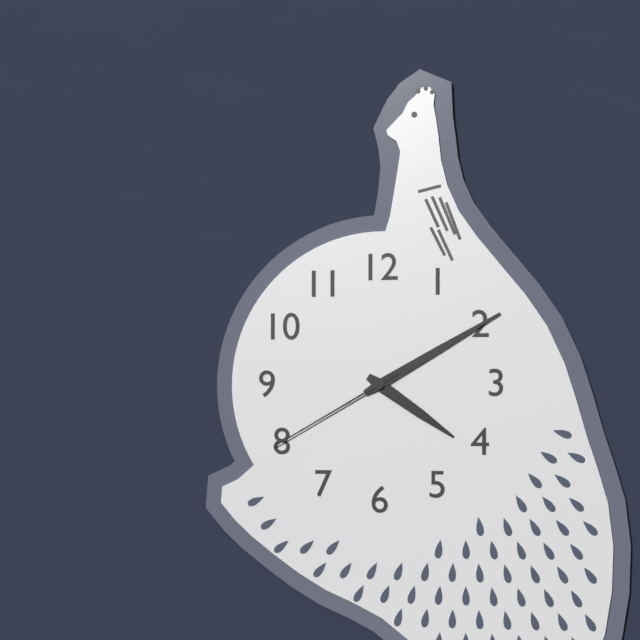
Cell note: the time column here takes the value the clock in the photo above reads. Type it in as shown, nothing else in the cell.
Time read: 4:10:40
